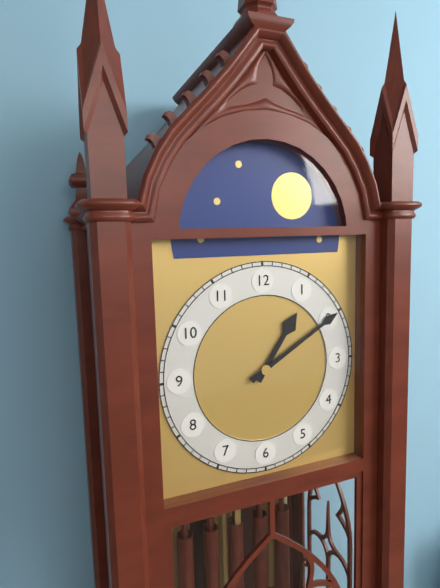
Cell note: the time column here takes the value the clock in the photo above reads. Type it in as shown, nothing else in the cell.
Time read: 1:10
